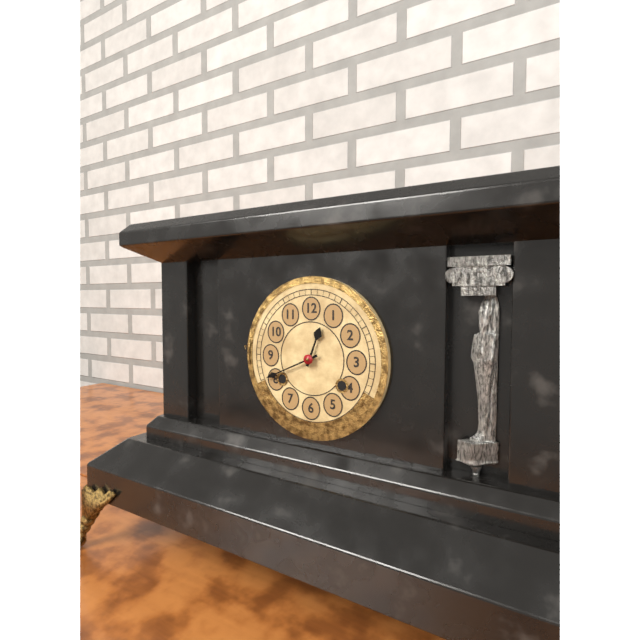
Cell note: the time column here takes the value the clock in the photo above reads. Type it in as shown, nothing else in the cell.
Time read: 12:41
